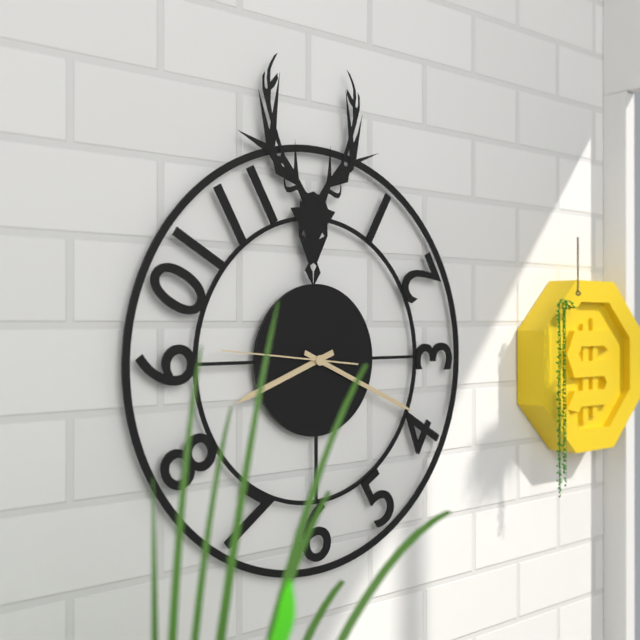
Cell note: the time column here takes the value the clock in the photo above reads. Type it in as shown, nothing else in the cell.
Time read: 8:19:46
